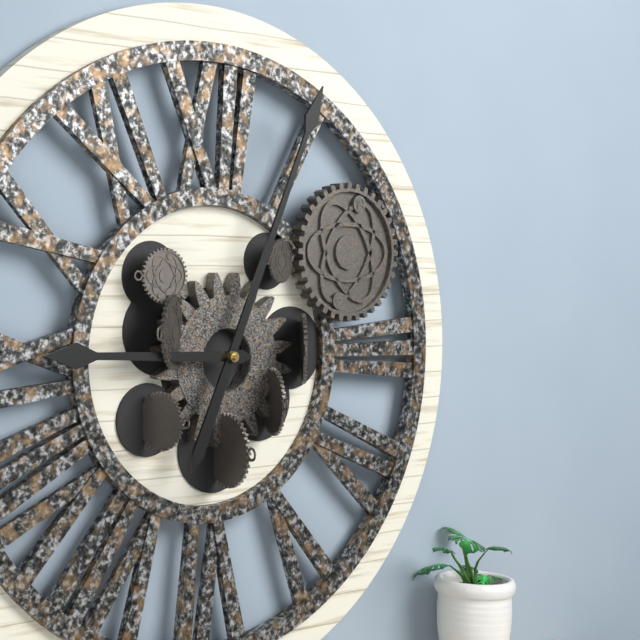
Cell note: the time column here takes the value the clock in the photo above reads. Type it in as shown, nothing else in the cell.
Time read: 9:04
